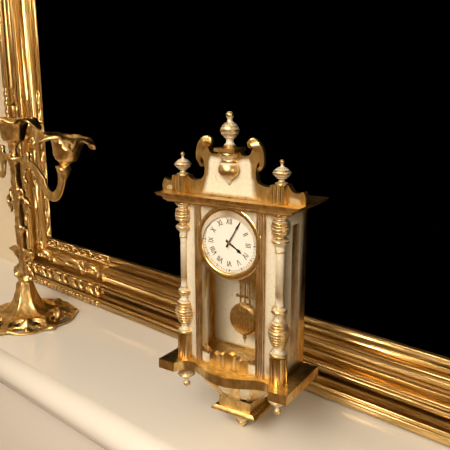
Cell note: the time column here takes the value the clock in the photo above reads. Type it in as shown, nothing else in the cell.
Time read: 4:05
